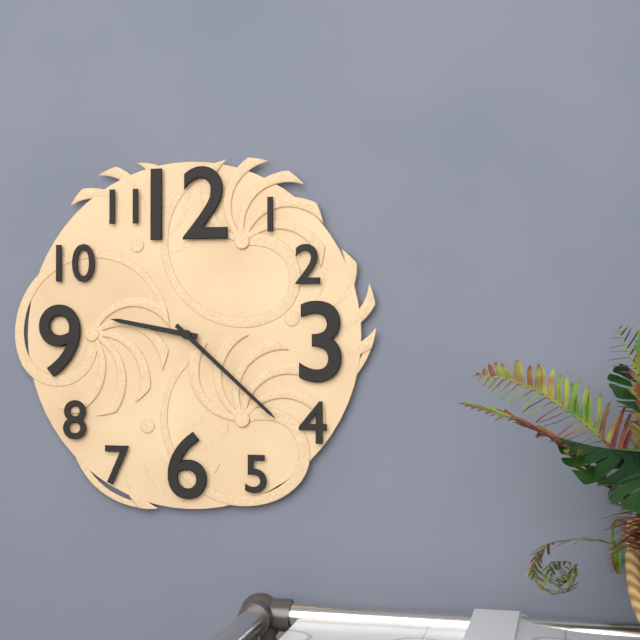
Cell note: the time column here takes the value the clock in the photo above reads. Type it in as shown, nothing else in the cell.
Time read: 9:22
